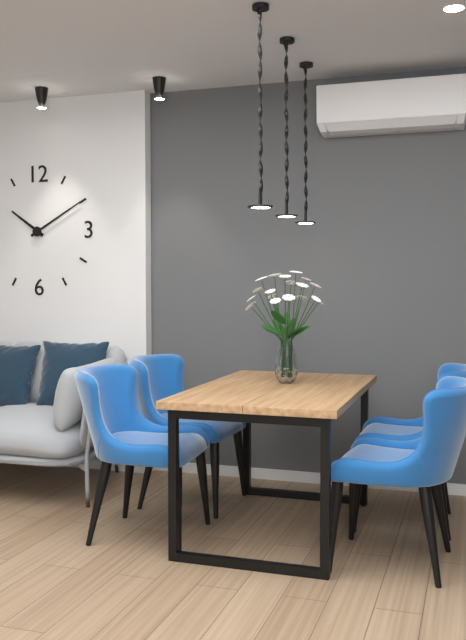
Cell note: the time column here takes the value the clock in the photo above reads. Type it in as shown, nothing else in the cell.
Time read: 10:10
